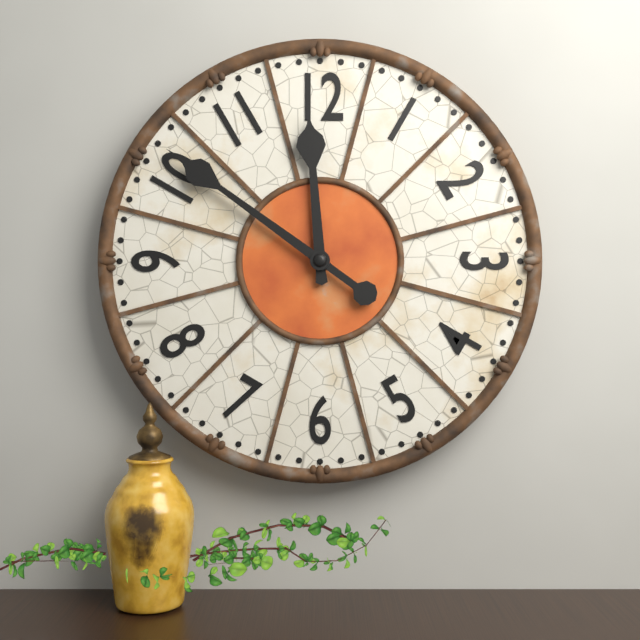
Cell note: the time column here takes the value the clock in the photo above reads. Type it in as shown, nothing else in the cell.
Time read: 11:51
